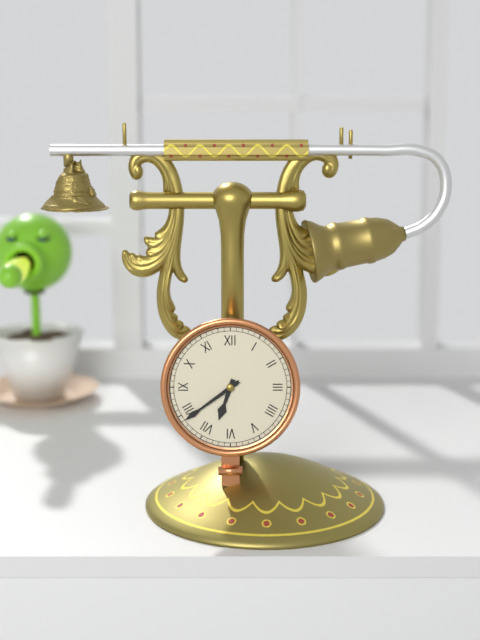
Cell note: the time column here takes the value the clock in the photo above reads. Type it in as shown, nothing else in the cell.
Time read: 6:39
